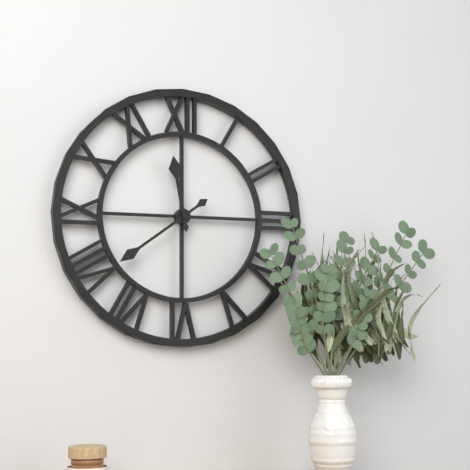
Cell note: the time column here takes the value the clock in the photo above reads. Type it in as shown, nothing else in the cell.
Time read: 11:39
